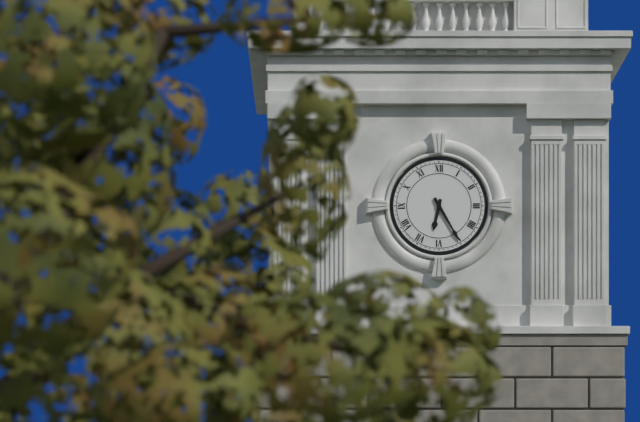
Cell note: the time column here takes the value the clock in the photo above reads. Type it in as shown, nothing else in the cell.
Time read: 6:25
